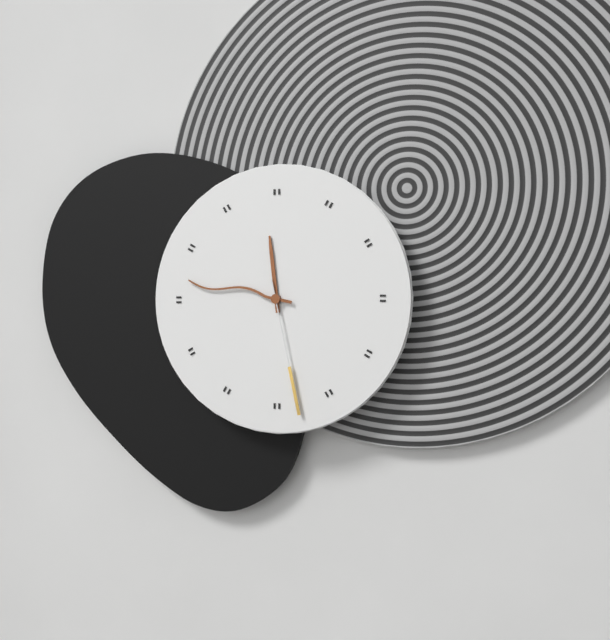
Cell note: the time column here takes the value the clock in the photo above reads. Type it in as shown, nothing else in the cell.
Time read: 11:47:28
